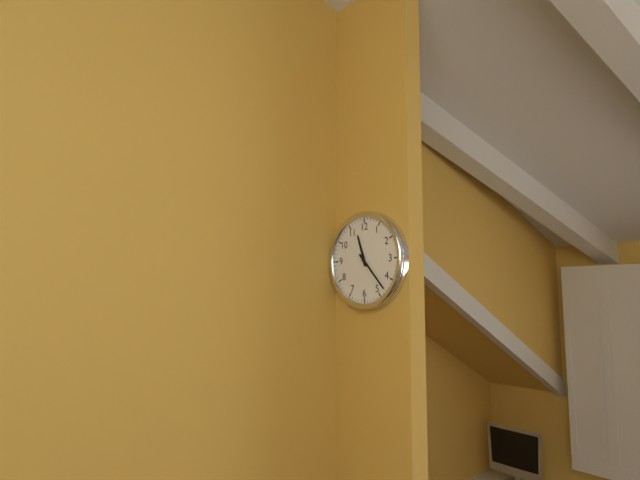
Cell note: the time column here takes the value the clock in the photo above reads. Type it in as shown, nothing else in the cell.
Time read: 11:23
